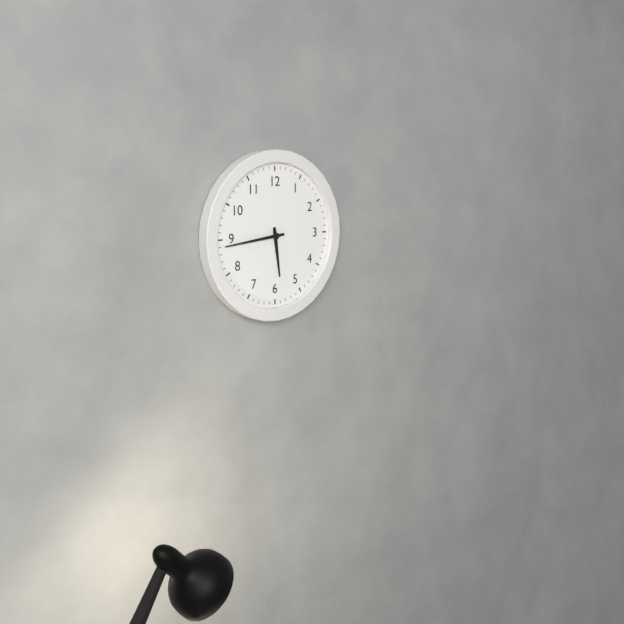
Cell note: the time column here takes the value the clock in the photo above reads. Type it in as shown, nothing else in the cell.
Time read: 5:44
